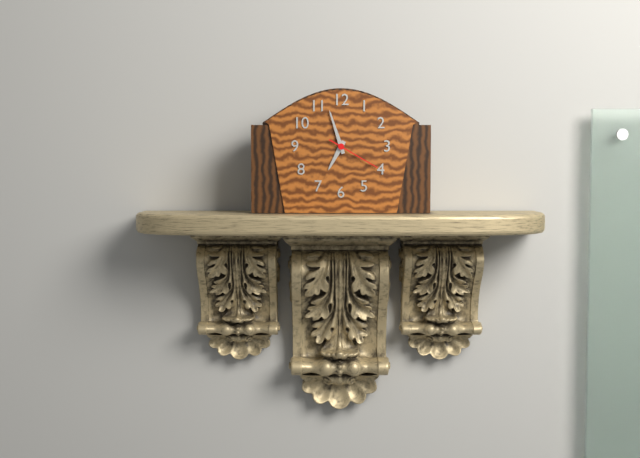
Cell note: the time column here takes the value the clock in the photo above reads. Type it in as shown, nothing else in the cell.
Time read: 6:57:20
